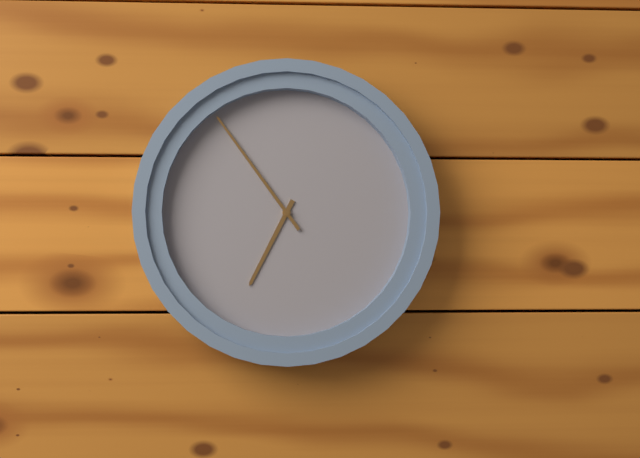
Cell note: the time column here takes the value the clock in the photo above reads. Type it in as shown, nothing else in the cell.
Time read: 6:54
